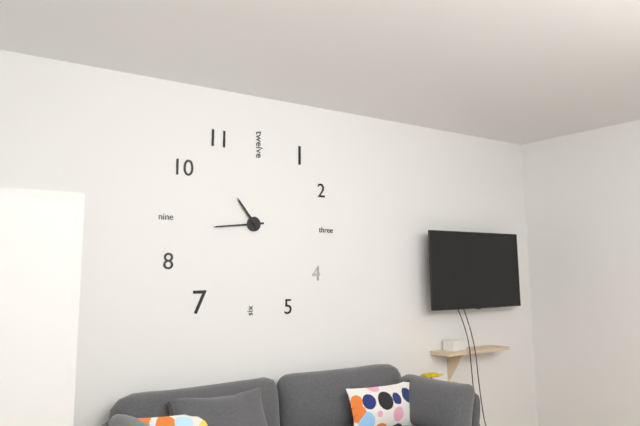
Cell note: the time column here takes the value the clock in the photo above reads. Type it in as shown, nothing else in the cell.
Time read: 10:44
